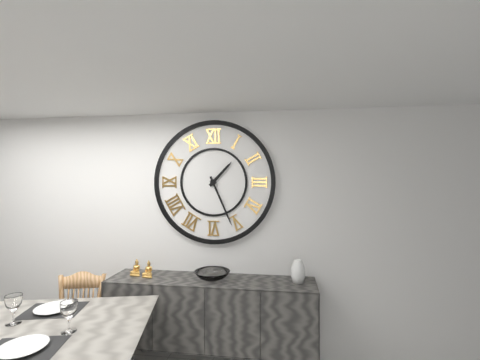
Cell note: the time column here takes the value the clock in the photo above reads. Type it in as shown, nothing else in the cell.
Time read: 1:26
